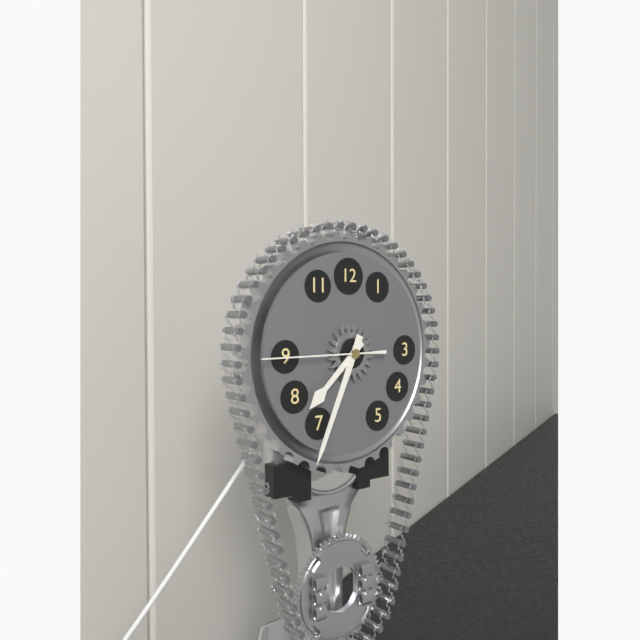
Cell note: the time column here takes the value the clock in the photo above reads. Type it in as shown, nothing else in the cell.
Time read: 7:34:45
